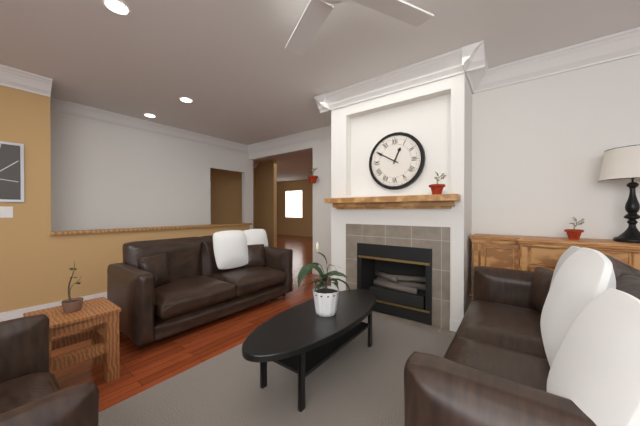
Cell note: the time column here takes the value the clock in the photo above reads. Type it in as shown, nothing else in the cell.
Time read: 12:50
